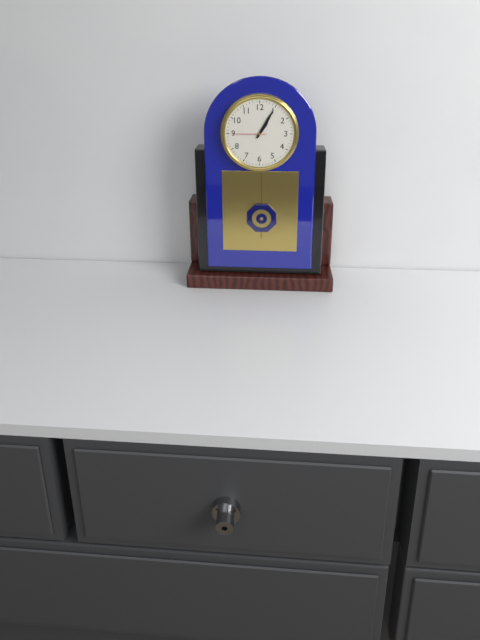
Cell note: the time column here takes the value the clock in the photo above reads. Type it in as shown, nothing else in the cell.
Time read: 1:05
